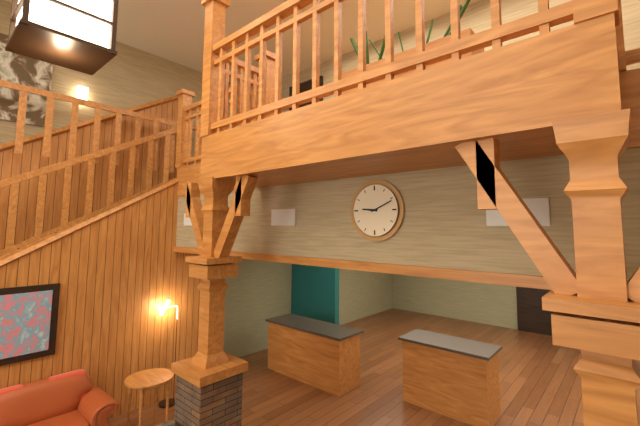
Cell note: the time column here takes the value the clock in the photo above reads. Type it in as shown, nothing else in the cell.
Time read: 9:11
